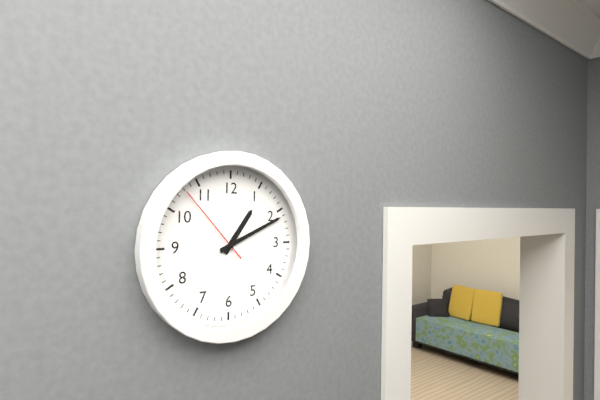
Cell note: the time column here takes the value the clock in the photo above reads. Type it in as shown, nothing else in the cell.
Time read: 1:11:53
